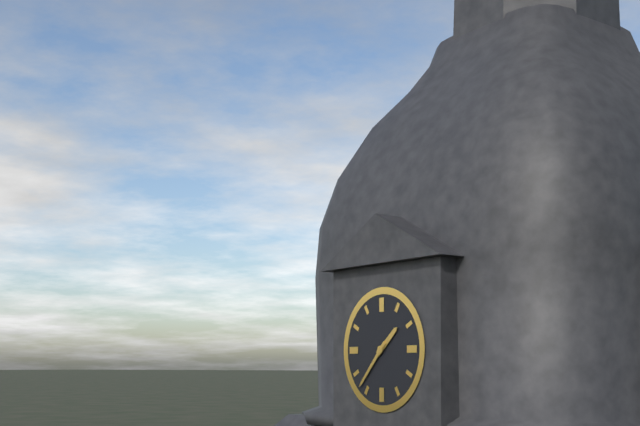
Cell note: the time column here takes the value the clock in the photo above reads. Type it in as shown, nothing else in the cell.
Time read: 1:37
